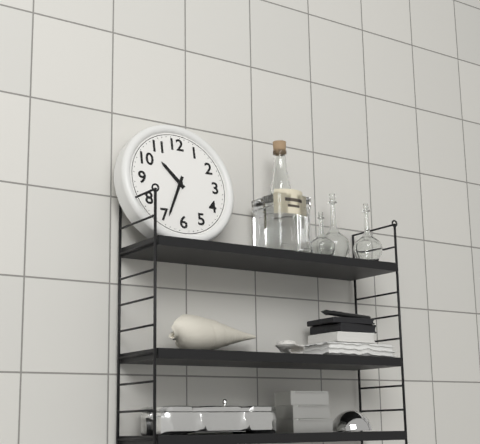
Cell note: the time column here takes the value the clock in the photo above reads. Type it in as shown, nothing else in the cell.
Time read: 10:34
